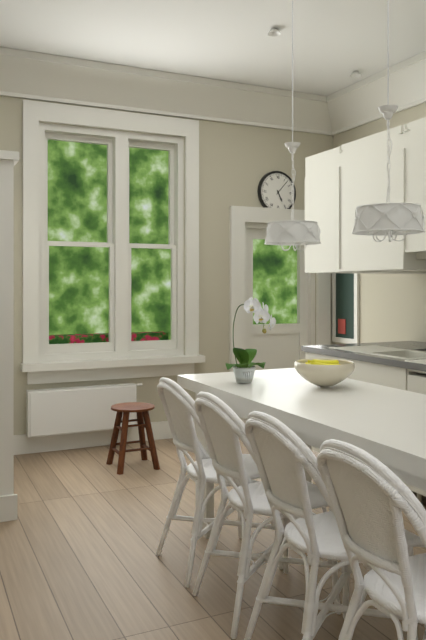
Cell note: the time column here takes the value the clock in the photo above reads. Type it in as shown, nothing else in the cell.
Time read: 5:07
